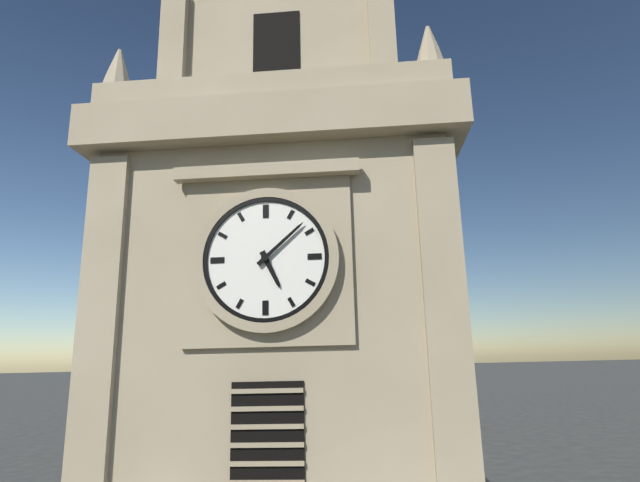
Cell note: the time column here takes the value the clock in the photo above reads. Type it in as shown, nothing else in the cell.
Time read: 5:08
